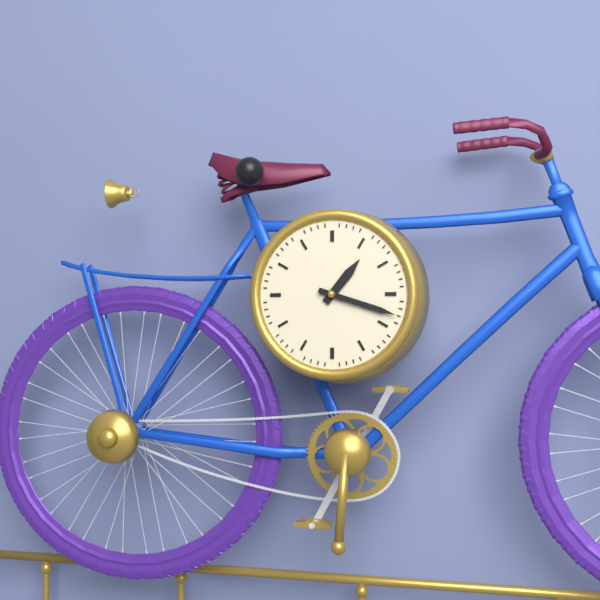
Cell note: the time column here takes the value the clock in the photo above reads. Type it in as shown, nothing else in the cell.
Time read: 1:18
